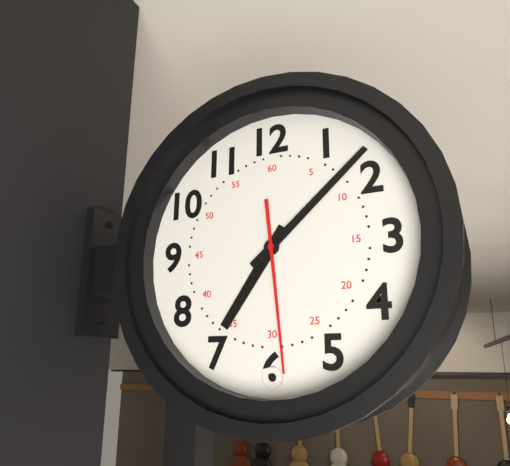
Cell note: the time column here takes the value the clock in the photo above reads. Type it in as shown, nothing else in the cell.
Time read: 7:08:29
